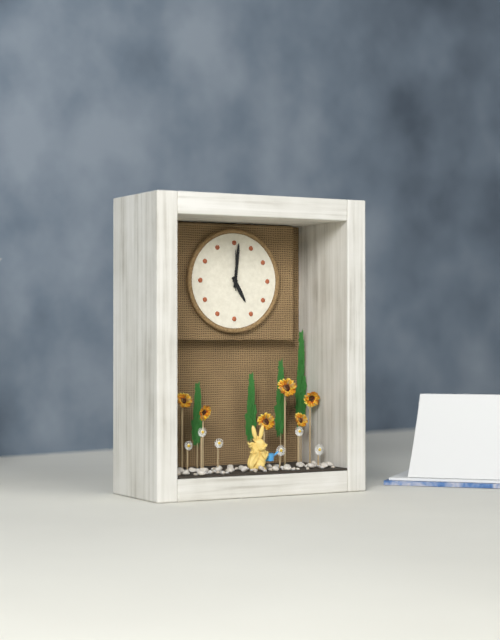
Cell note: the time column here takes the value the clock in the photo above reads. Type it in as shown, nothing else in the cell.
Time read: 5:01
